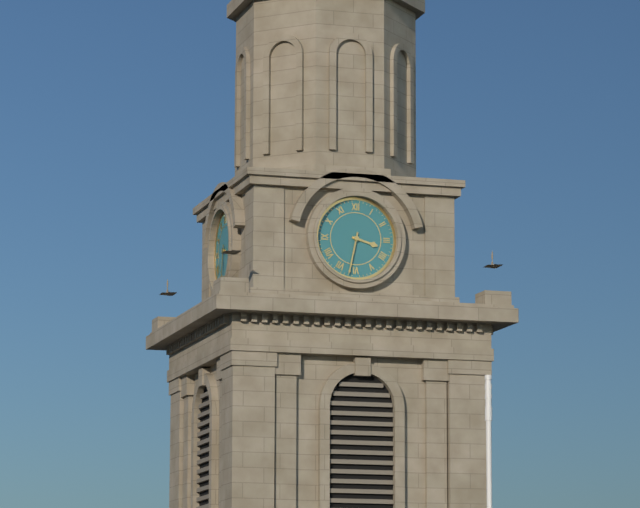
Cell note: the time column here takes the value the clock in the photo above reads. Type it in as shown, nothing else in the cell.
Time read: 3:32
